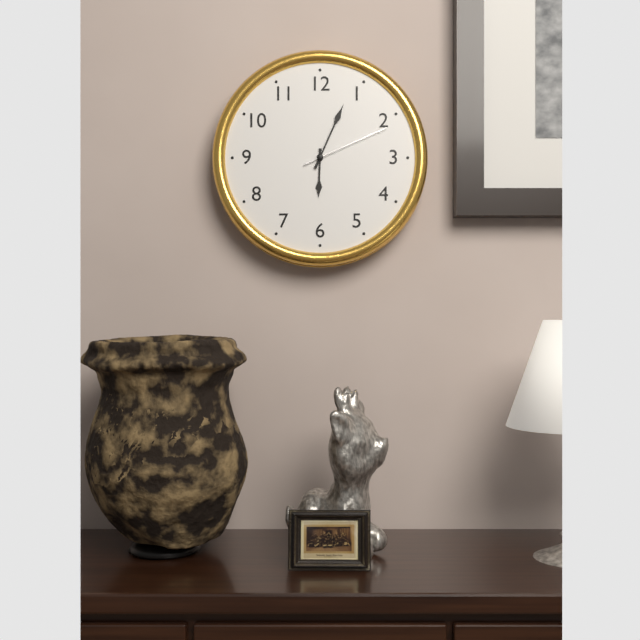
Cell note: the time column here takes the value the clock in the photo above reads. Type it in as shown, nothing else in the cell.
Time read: 6:04:11
